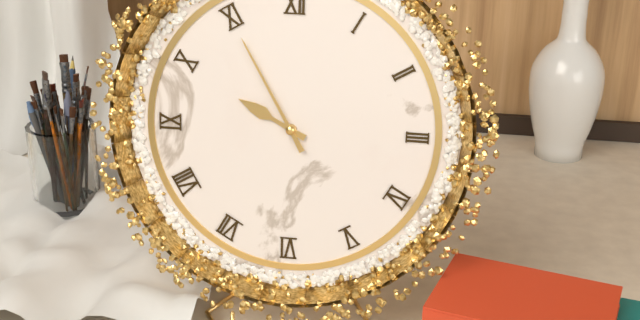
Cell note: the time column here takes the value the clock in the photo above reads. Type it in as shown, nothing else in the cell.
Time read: 9:55
